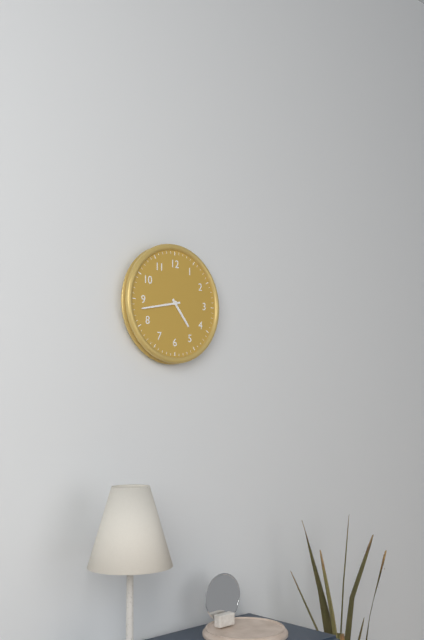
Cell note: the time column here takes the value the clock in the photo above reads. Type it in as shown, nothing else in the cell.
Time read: 4:43
